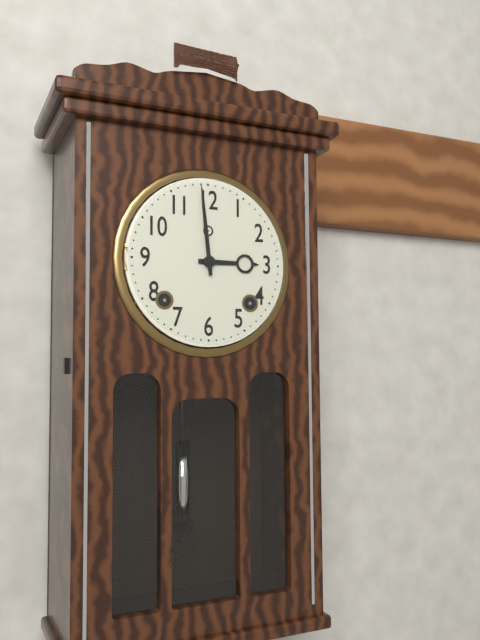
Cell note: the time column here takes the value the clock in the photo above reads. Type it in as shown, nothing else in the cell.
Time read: 2:59
